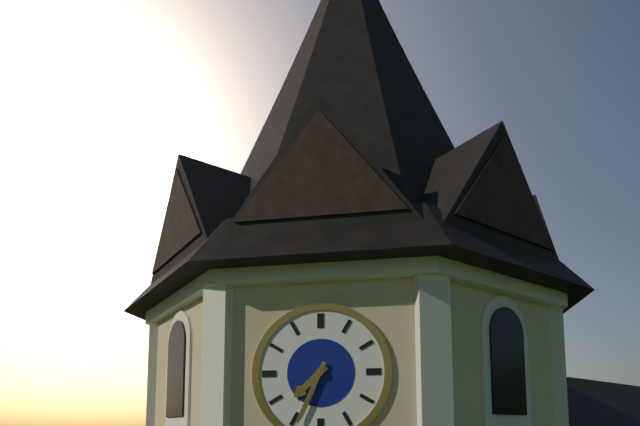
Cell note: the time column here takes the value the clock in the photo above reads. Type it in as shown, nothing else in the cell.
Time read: 7:34
